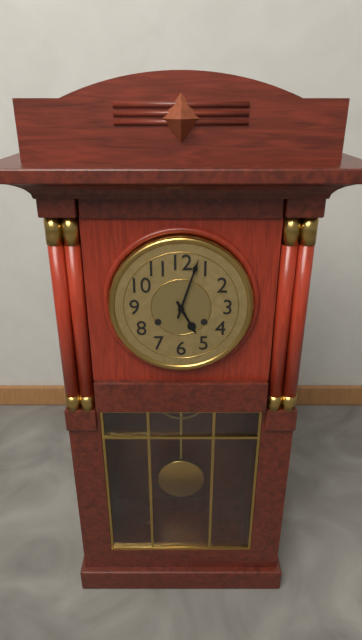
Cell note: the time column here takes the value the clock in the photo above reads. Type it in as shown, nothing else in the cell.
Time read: 5:03
